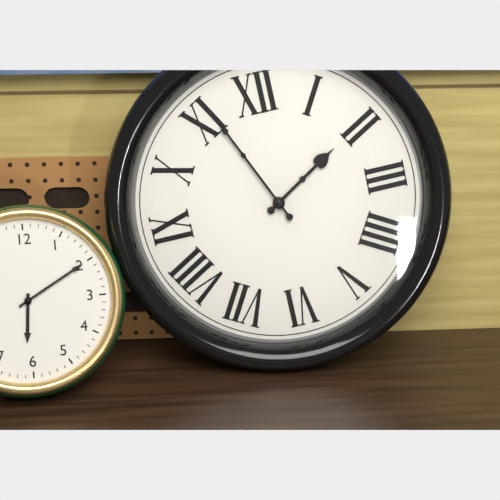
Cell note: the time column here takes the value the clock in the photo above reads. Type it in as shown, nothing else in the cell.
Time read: 1:56
